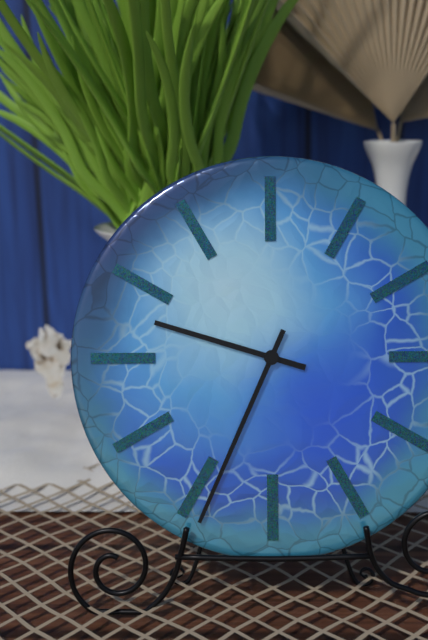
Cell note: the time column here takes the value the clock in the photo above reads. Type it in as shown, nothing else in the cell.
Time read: 9:34
